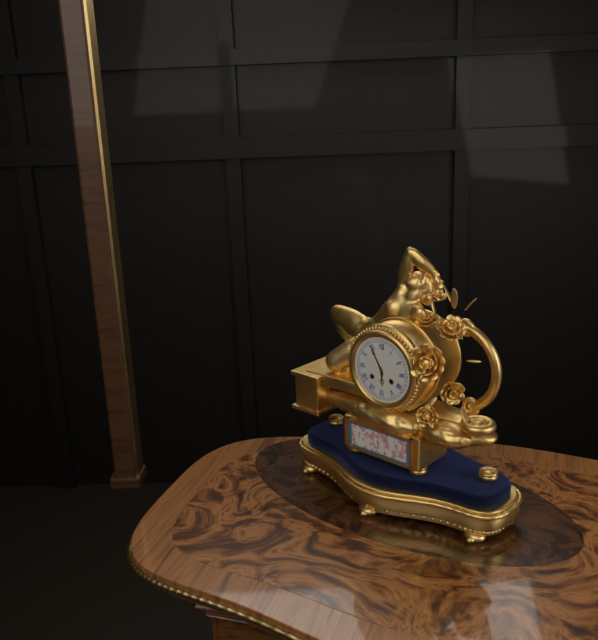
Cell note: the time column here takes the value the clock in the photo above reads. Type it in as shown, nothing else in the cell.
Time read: 5:55
